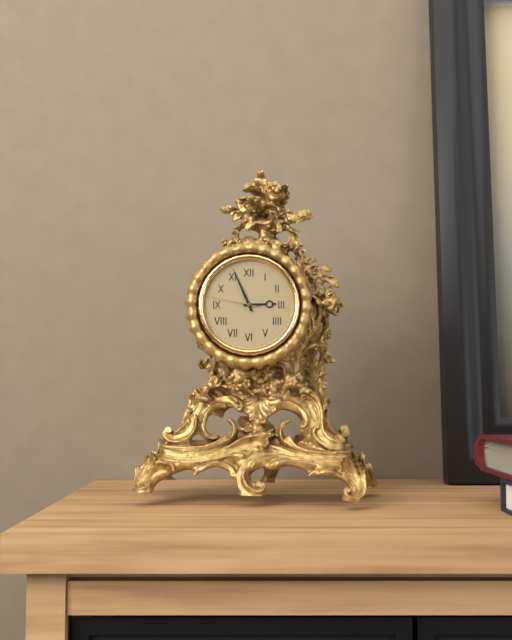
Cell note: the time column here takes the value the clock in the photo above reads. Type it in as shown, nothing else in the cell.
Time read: 2:56:47
